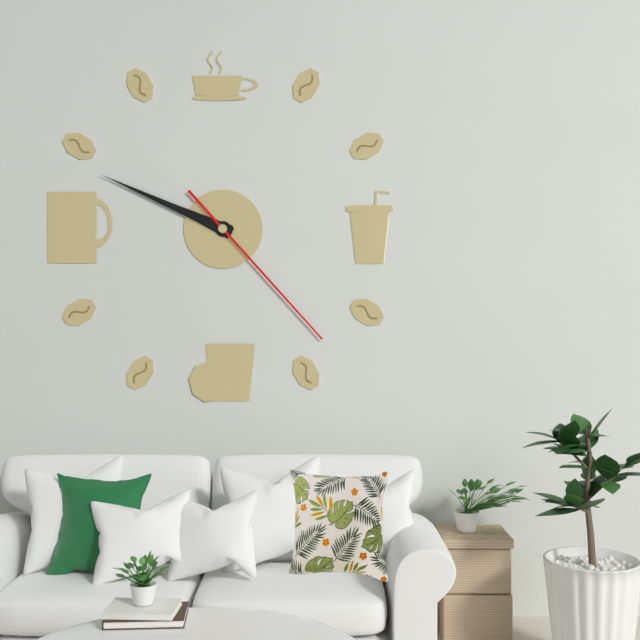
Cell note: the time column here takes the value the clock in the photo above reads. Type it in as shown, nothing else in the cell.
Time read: 9:49:23
